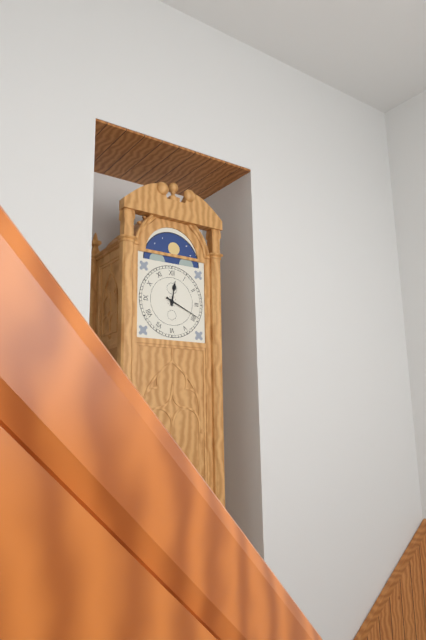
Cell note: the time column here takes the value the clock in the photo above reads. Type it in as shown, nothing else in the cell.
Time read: 12:19
